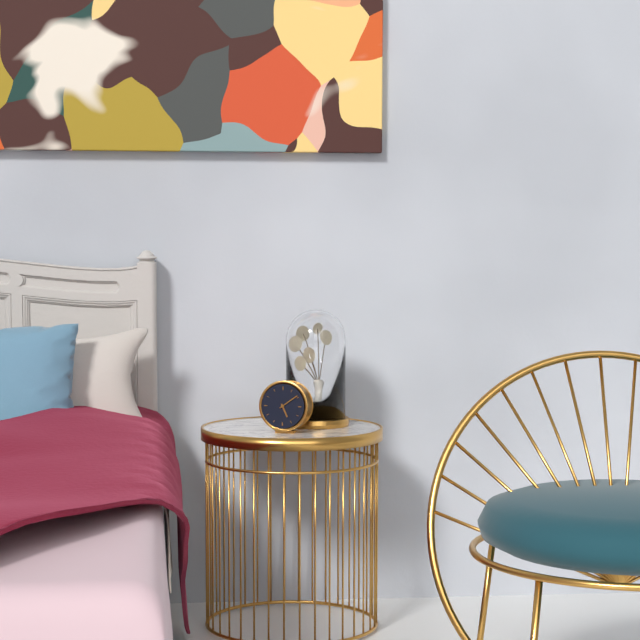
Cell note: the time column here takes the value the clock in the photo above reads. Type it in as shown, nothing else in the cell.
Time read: 5:09
